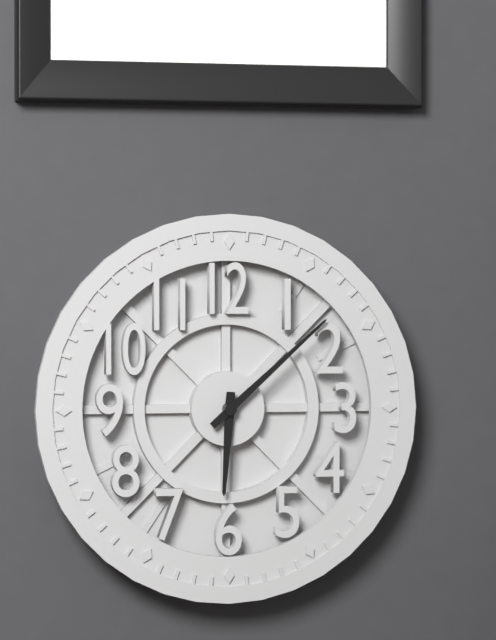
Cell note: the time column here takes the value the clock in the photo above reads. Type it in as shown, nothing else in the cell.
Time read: 6:08
